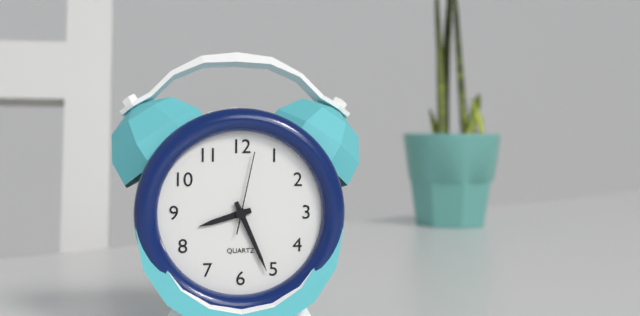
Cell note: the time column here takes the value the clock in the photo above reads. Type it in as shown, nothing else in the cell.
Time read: 8:26:02
